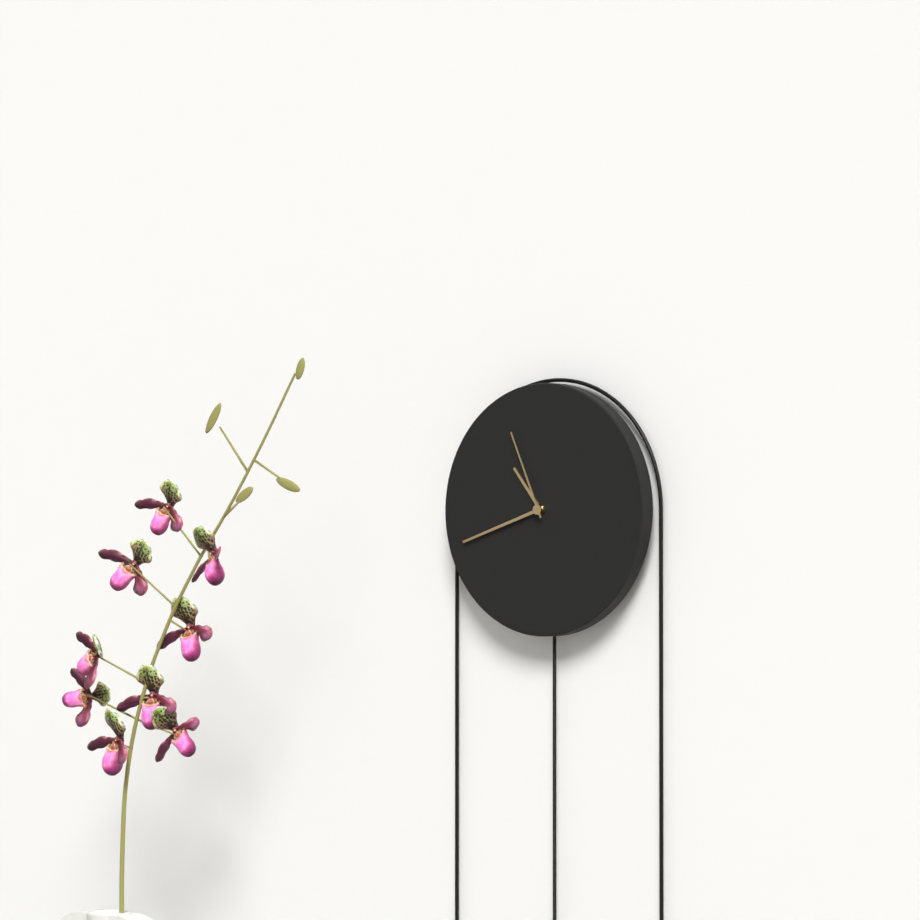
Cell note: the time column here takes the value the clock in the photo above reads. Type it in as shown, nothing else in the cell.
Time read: 10:42:56
